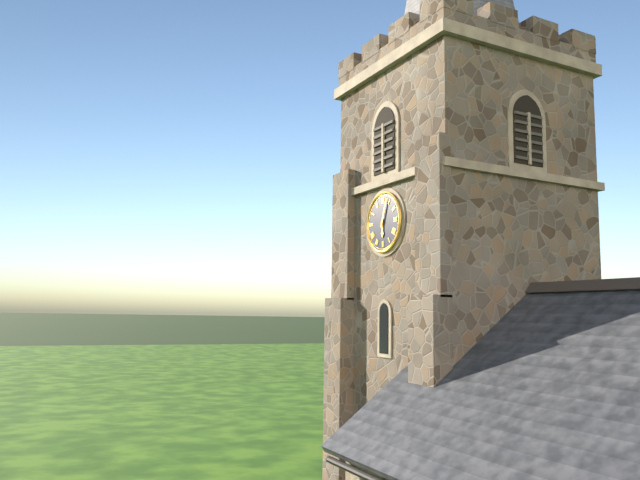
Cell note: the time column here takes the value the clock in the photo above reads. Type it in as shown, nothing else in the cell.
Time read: 6:03
